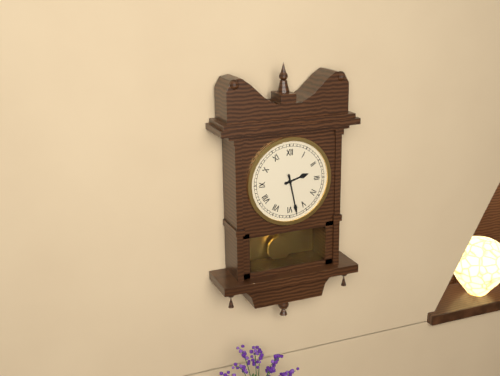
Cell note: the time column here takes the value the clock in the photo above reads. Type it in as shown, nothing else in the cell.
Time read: 2:28
